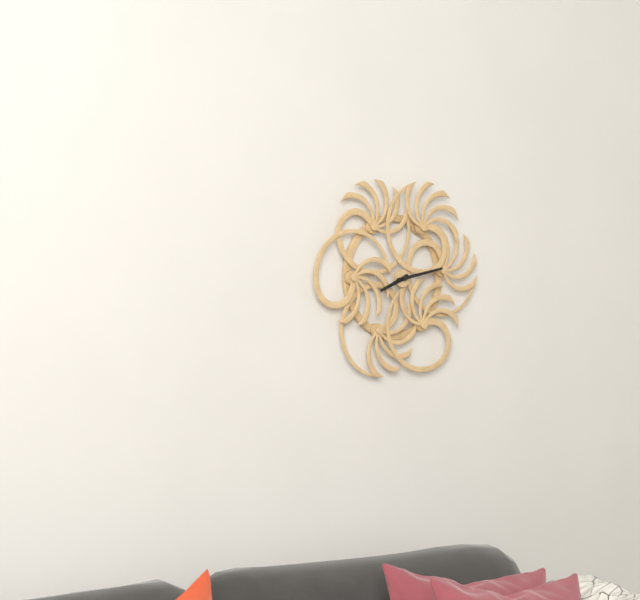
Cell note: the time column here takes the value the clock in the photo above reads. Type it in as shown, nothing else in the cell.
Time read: 8:13
